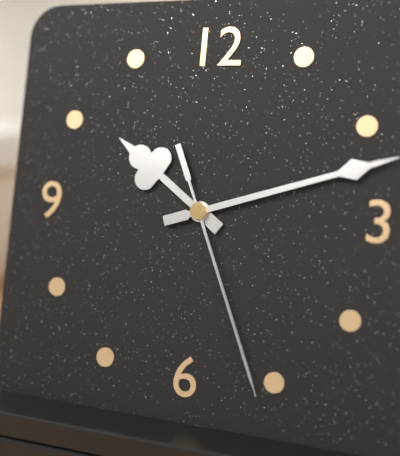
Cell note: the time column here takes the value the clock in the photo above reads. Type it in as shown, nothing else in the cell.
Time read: 10:12:26
